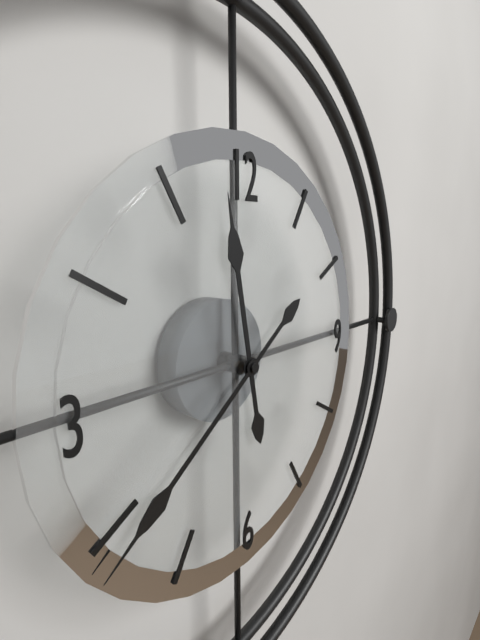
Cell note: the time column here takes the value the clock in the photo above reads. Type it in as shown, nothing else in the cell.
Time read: 11:39
